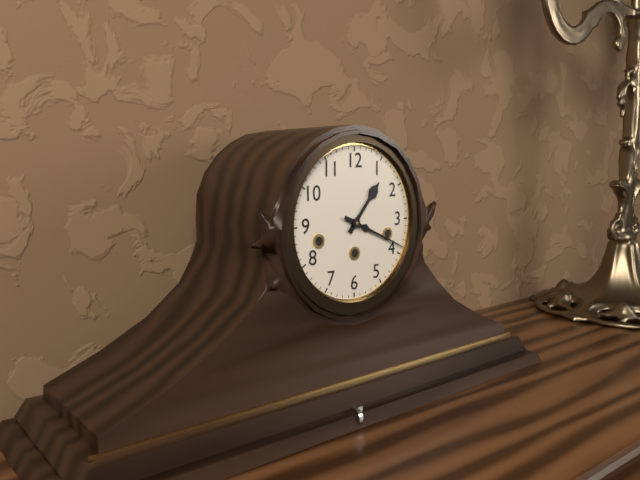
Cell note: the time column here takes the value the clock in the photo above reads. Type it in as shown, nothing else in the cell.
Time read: 1:19
